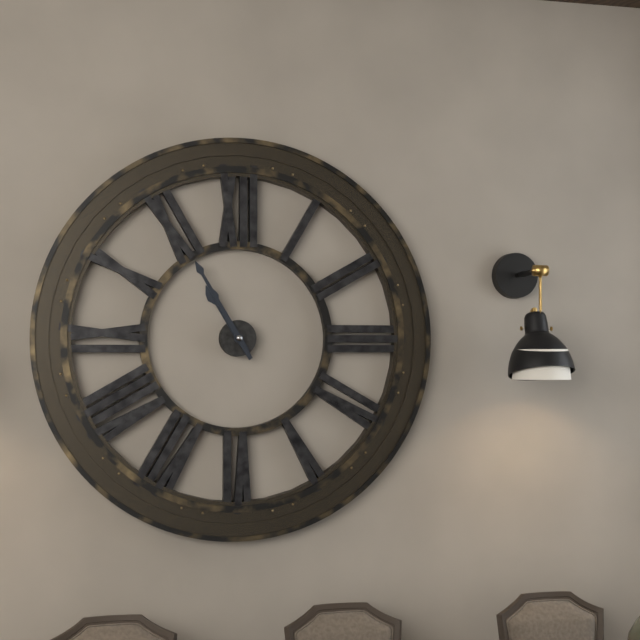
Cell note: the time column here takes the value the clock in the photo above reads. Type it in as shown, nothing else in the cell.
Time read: 10:55
